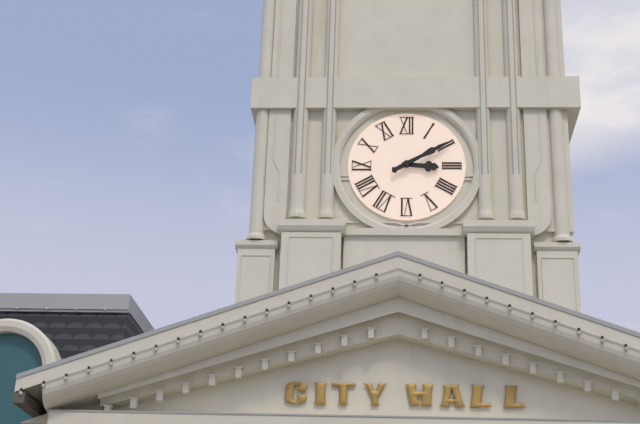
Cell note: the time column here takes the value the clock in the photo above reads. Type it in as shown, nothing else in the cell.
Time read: 3:10
